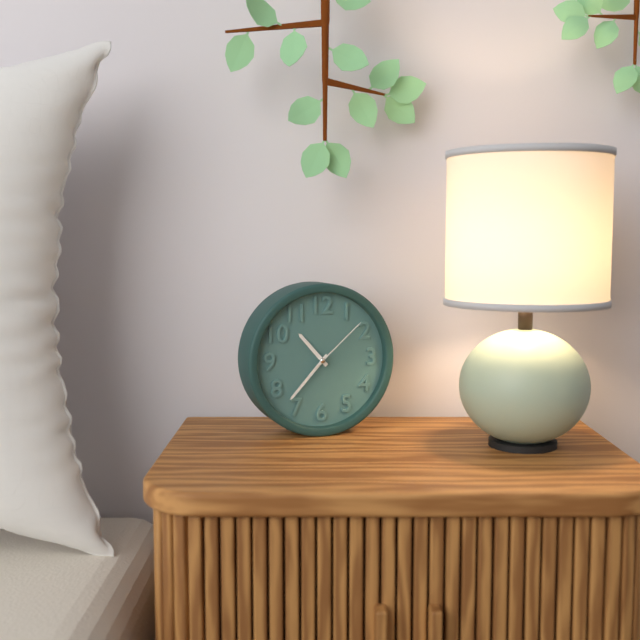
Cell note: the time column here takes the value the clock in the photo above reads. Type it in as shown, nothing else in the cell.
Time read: 10:37:08
